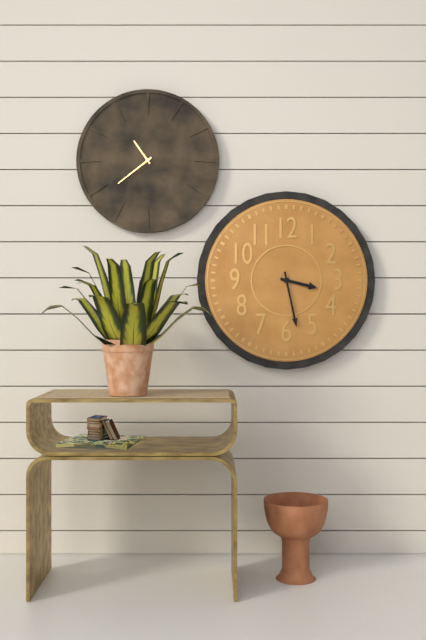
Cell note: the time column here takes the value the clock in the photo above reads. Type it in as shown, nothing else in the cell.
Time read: 3:28
